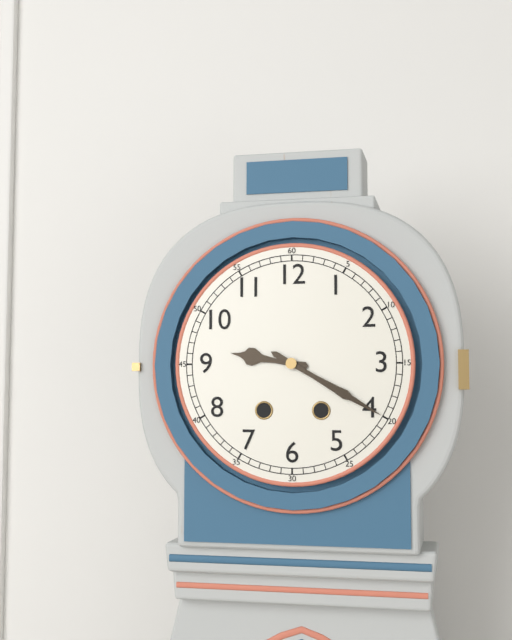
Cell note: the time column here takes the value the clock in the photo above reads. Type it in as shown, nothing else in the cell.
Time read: 9:20
